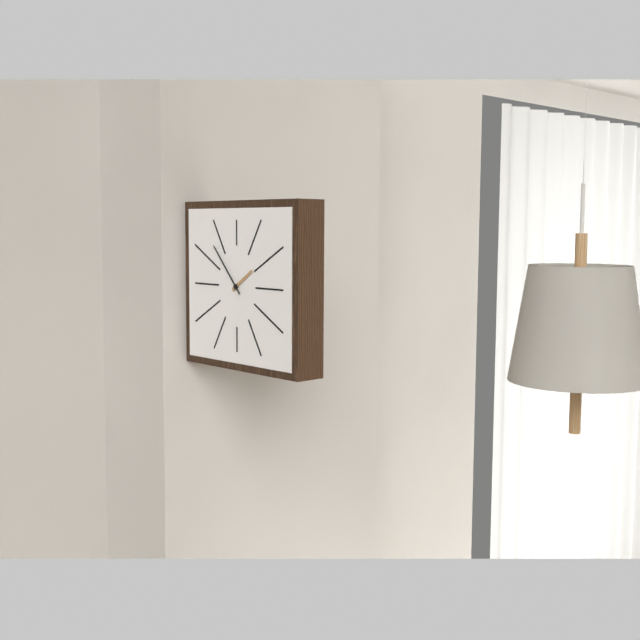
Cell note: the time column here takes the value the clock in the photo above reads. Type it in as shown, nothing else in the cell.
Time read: 1:53
